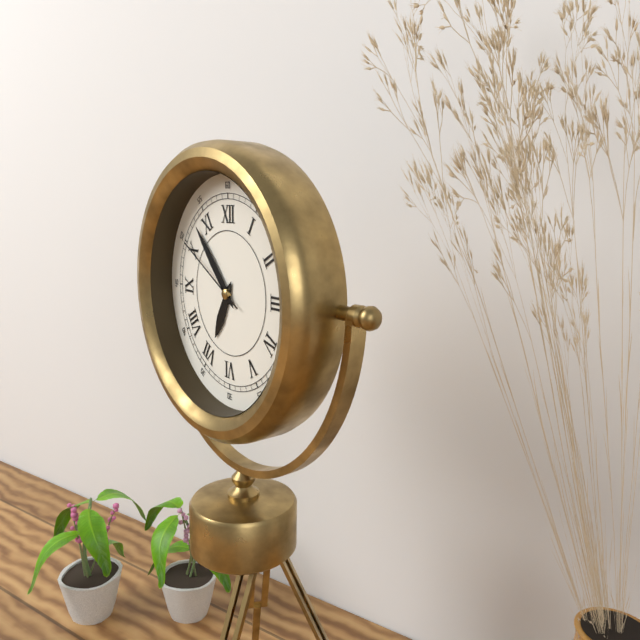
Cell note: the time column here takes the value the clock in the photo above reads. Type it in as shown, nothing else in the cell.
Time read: 6:53:50
